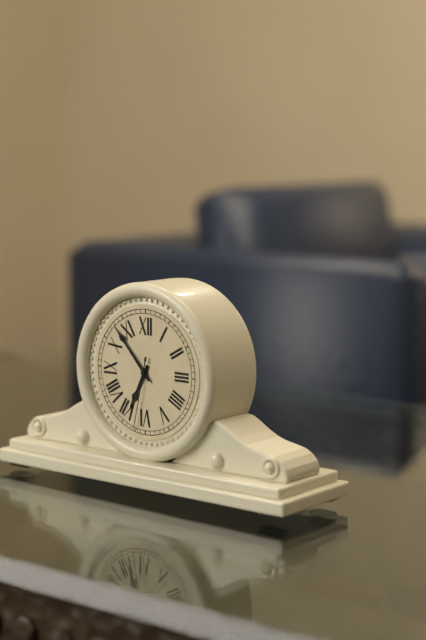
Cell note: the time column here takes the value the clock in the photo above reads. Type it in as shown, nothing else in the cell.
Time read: 6:53:32
